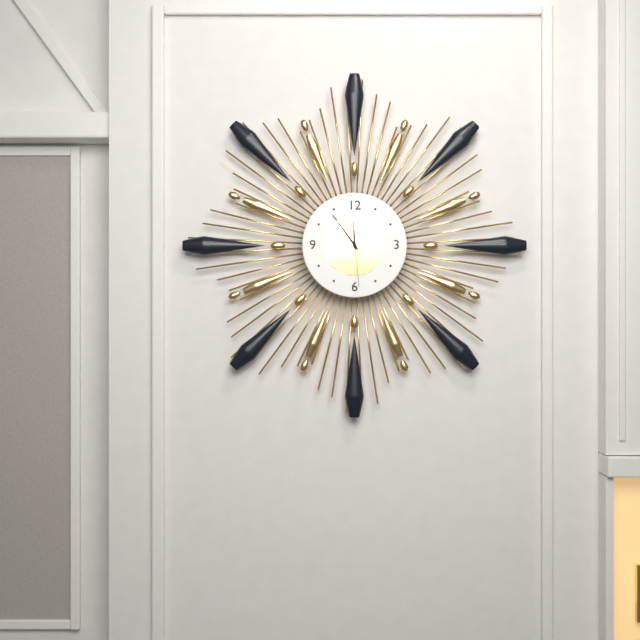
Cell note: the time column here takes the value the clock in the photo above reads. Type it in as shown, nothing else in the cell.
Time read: 11:54:29
